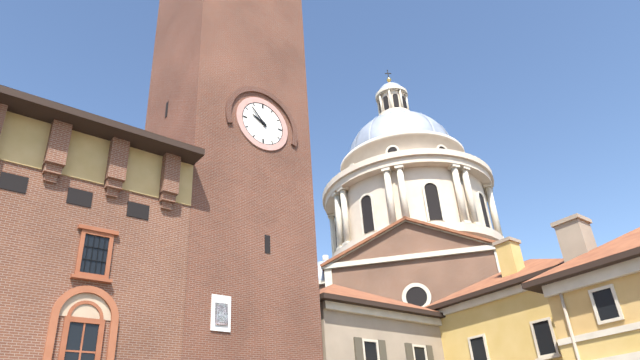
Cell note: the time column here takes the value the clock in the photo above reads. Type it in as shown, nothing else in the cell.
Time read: 9:53
